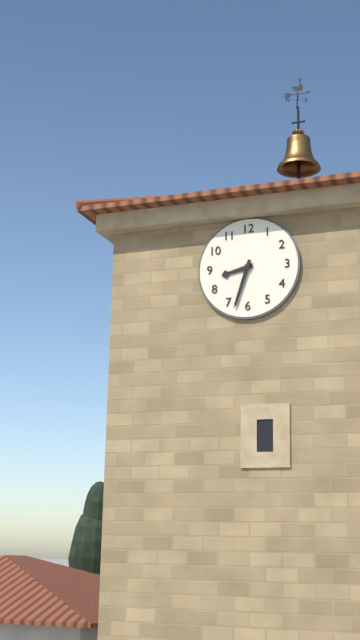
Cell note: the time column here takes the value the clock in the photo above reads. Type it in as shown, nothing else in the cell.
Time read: 8:33
